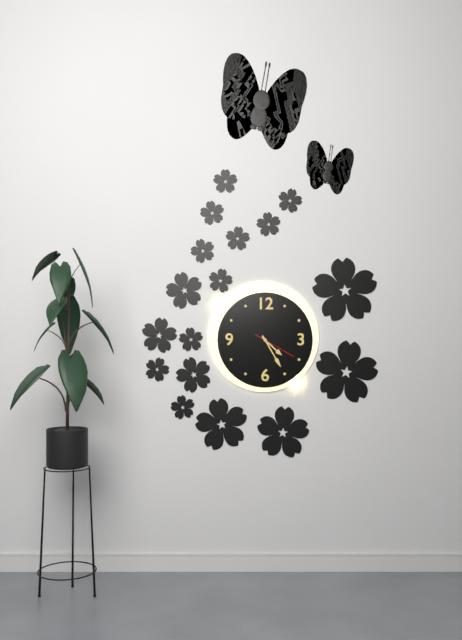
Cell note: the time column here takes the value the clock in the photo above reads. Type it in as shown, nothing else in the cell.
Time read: 4:25
